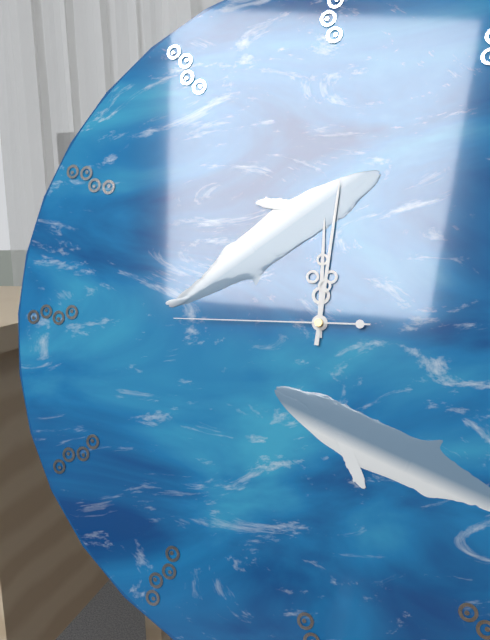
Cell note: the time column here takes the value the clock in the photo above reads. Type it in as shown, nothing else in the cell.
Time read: 12:01:45
